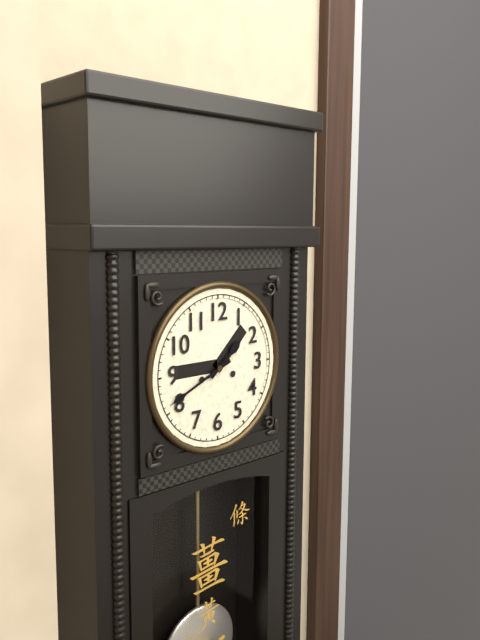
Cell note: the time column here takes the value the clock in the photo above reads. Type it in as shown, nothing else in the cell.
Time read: 1:41
